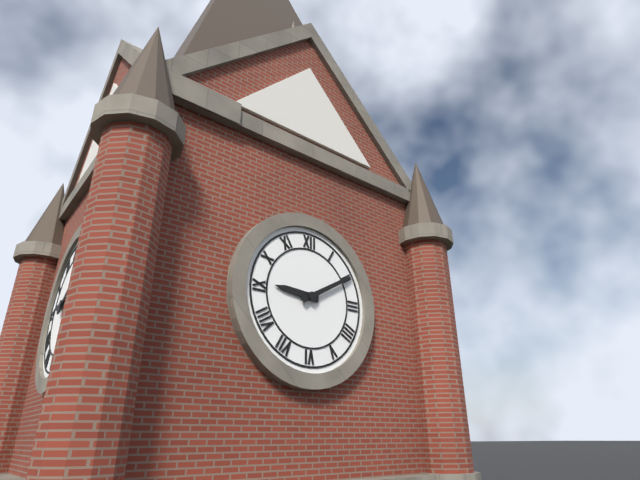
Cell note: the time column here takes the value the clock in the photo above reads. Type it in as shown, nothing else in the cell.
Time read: 9:10
